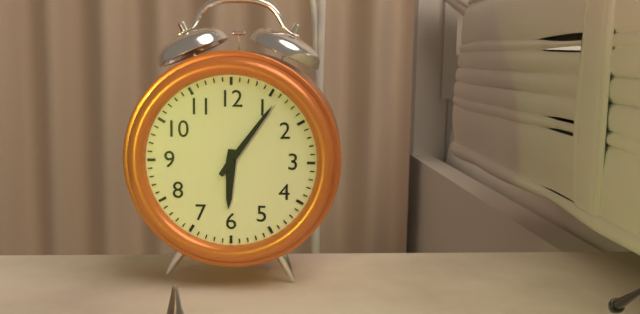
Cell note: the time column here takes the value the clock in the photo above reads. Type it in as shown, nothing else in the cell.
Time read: 6:06
